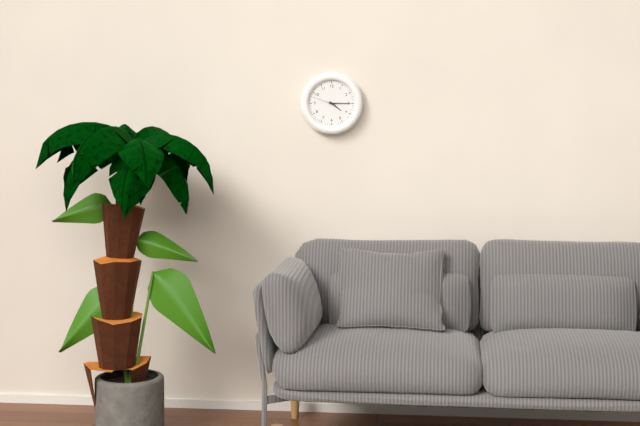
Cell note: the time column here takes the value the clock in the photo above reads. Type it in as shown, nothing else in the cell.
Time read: 4:15
